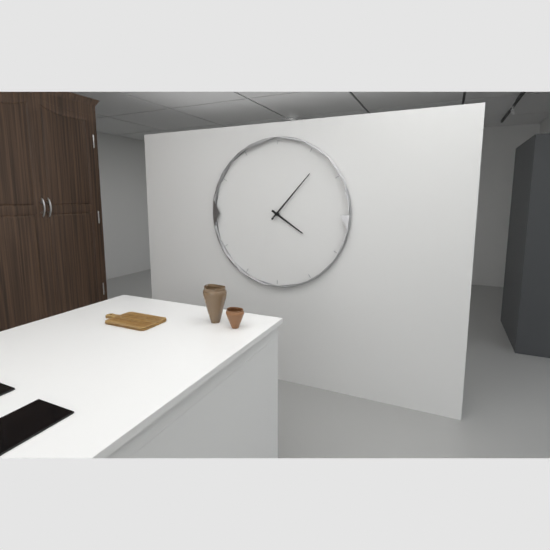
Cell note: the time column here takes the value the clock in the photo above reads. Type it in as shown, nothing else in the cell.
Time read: 4:07
